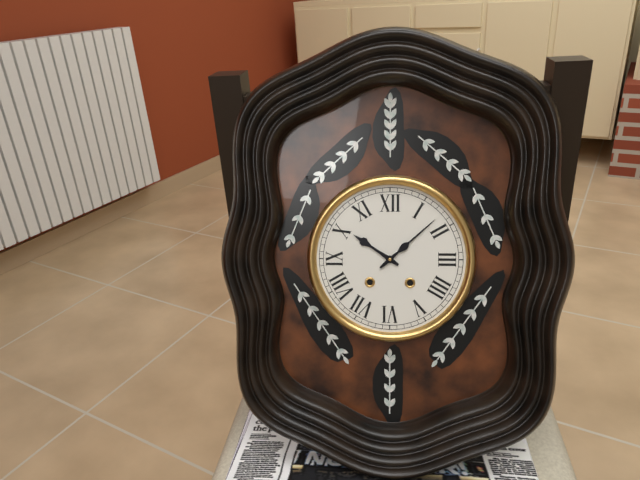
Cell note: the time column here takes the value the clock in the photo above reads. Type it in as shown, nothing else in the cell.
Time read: 10:08
